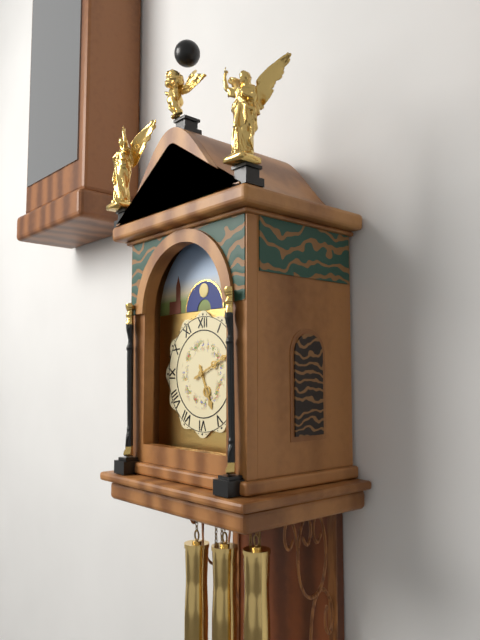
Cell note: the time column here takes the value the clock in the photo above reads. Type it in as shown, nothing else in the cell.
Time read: 5:11
